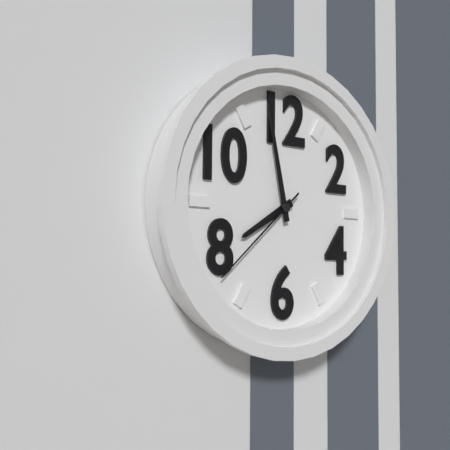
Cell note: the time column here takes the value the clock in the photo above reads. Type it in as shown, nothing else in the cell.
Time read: 7:58:38
